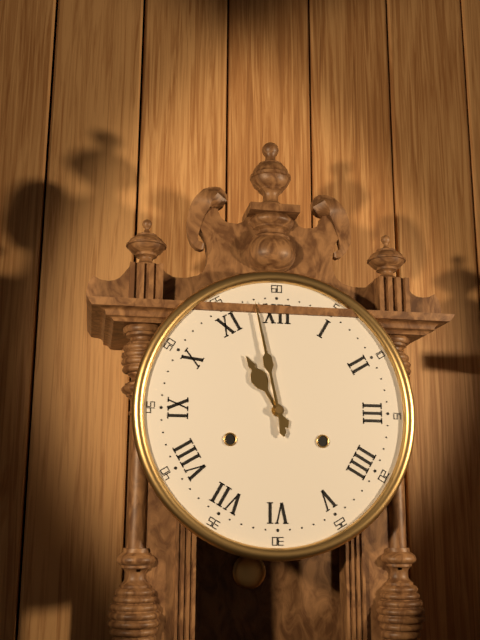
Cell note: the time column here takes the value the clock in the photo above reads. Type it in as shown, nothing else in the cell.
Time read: 10:58
